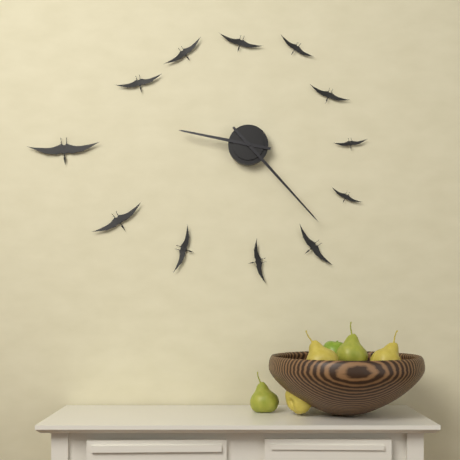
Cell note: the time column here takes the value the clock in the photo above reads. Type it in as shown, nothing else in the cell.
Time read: 9:23
